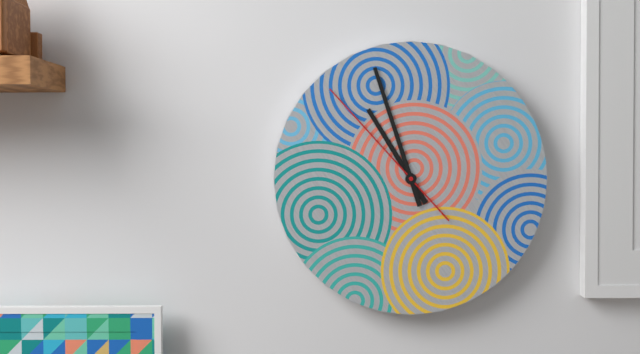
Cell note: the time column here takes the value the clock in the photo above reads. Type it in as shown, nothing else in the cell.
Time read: 10:57:53
